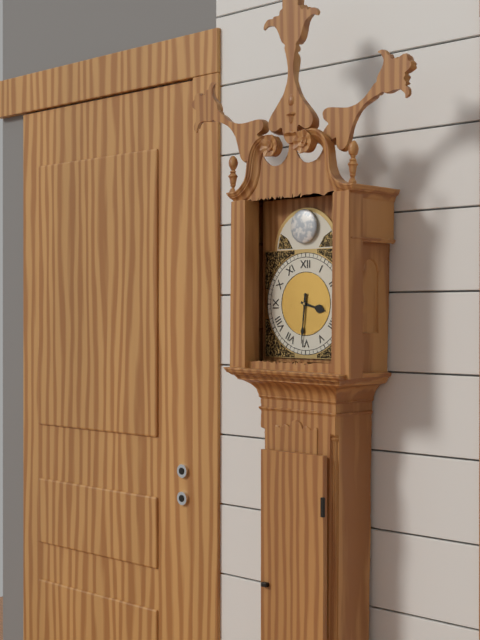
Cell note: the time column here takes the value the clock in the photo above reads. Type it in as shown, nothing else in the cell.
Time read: 3:31
